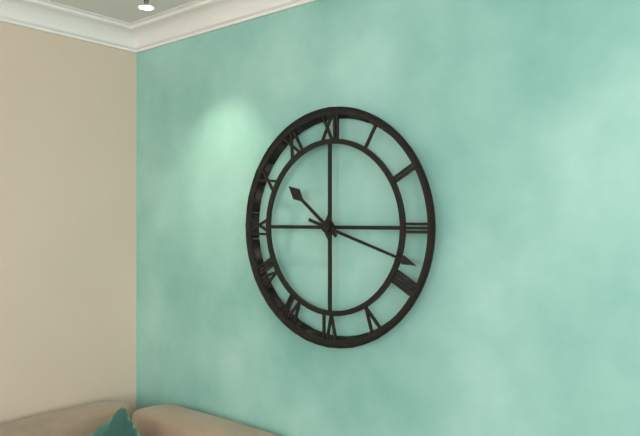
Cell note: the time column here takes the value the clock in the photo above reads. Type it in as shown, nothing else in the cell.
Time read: 10:18
